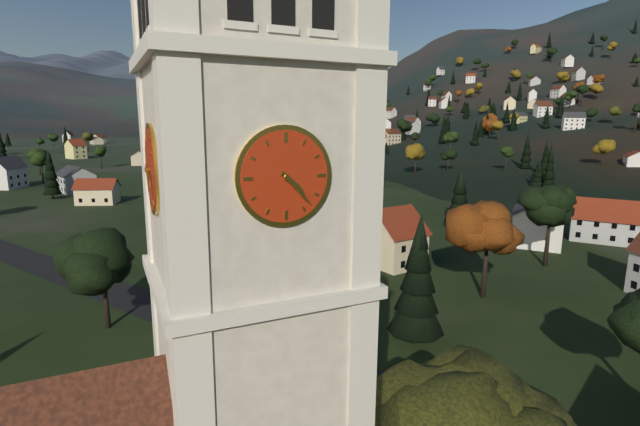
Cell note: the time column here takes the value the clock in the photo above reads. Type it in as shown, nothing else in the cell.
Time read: 4:23
